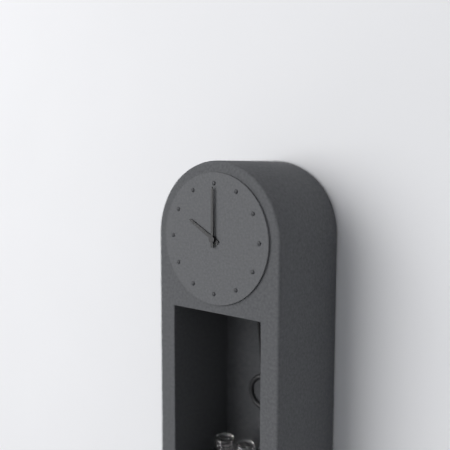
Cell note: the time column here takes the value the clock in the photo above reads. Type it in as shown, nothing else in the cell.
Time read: 10:00
